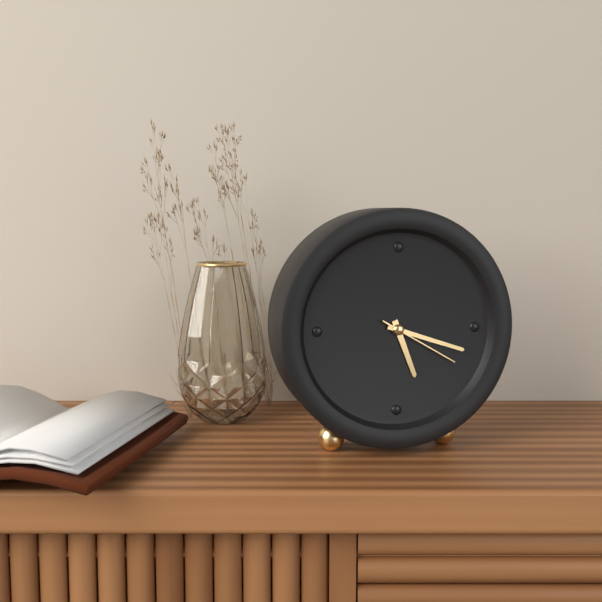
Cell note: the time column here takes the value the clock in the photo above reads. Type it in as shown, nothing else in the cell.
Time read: 5:18:20
